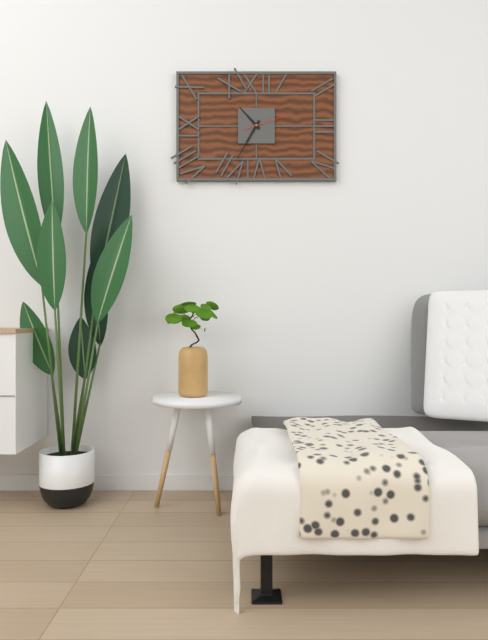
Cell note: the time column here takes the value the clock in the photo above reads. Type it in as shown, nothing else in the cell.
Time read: 10:35
